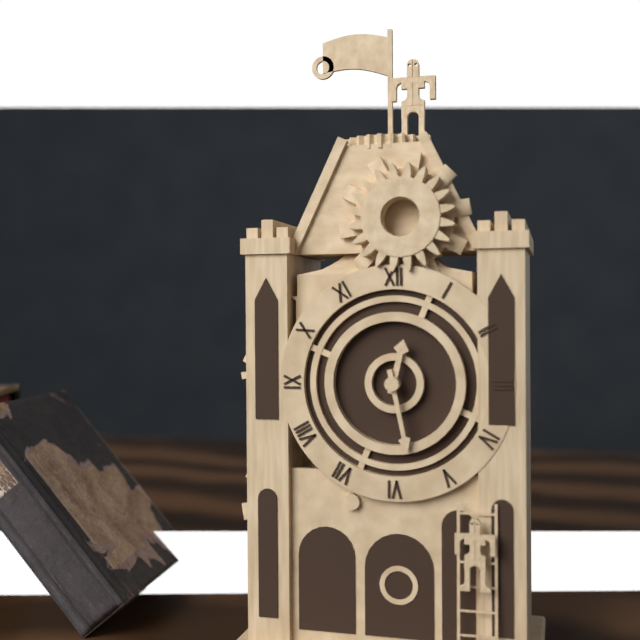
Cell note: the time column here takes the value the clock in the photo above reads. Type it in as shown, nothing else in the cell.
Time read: 12:28
